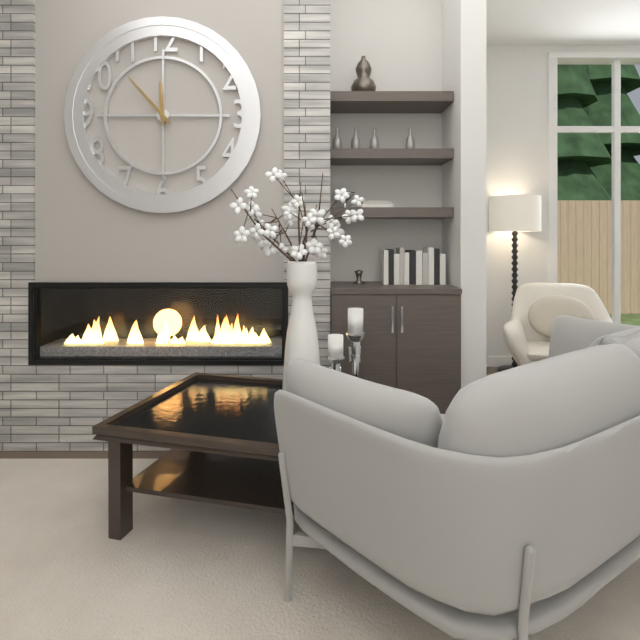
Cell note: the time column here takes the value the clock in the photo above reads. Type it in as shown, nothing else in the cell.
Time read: 11:53
